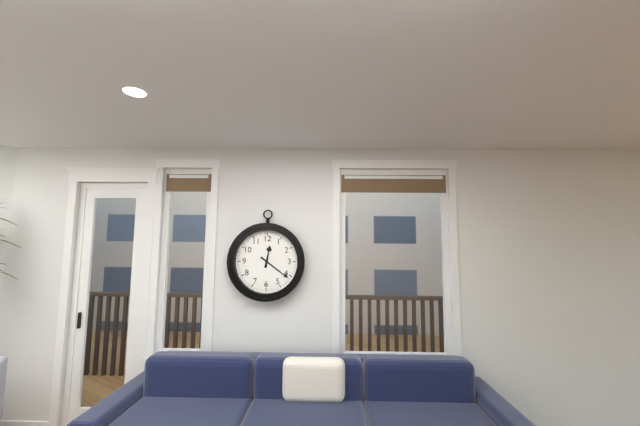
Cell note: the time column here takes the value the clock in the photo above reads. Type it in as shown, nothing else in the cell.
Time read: 12:21
